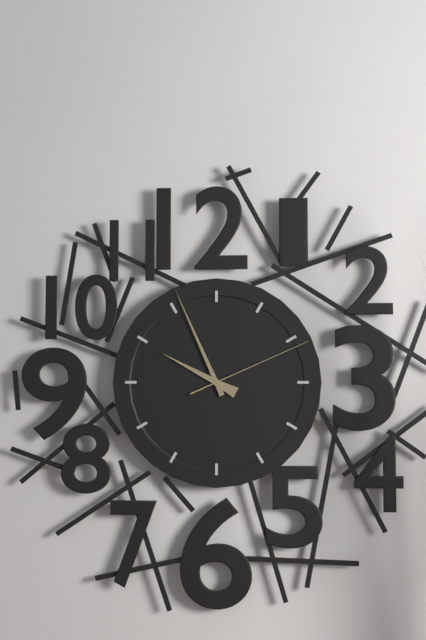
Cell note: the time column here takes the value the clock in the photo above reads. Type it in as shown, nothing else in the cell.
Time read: 9:56:11
